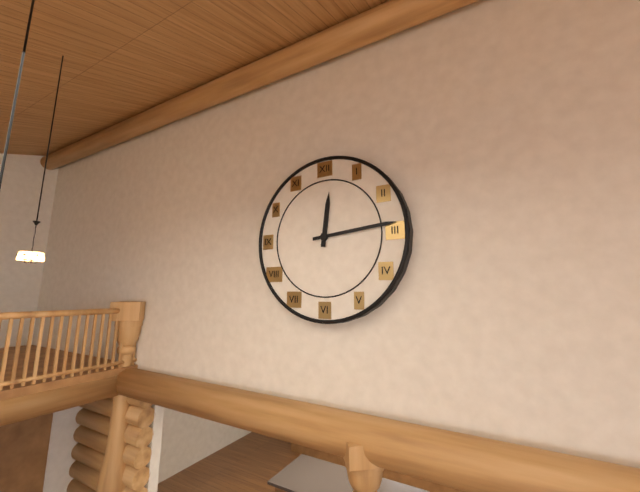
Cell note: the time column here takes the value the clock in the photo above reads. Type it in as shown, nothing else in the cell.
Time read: 12:14
